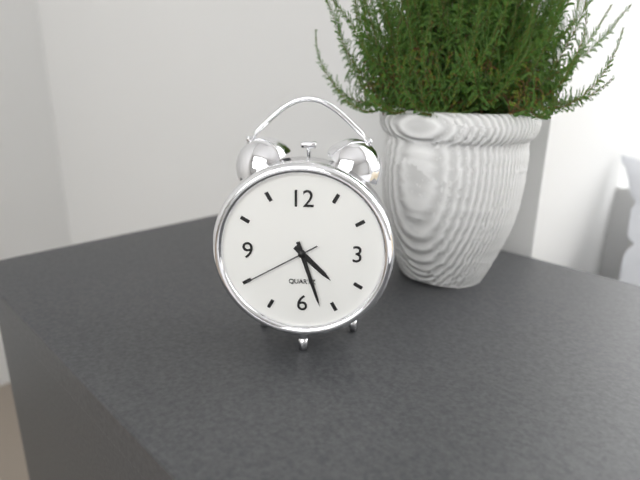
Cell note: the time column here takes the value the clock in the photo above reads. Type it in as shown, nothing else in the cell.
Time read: 4:27:40
